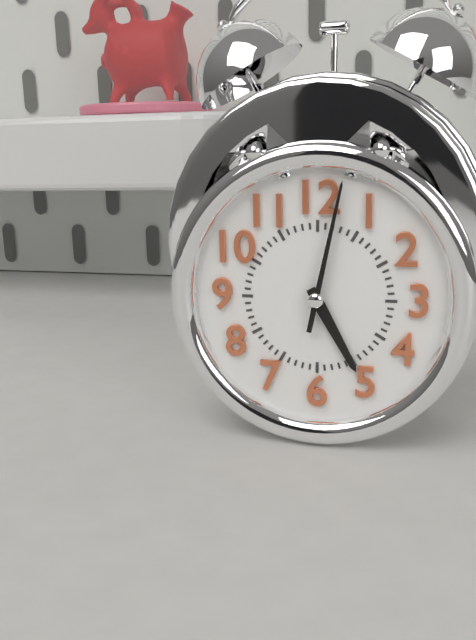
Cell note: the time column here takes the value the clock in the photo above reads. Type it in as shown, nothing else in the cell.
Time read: 5:02
